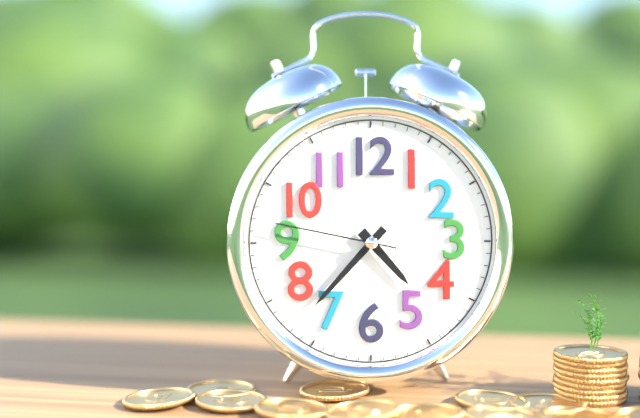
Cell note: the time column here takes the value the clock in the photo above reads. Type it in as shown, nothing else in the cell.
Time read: 4:37:47
